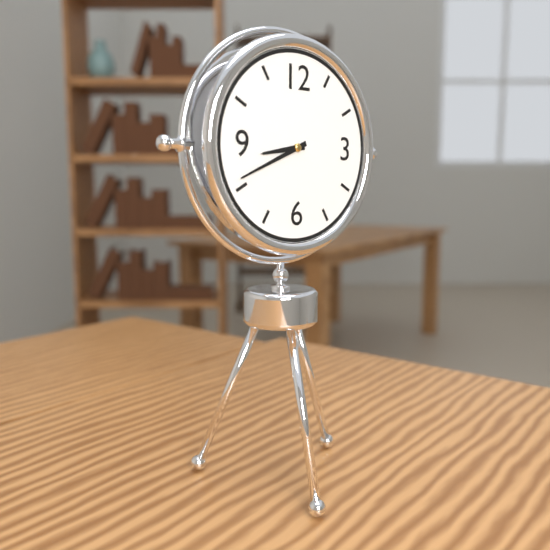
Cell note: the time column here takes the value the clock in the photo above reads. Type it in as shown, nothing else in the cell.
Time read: 8:41
